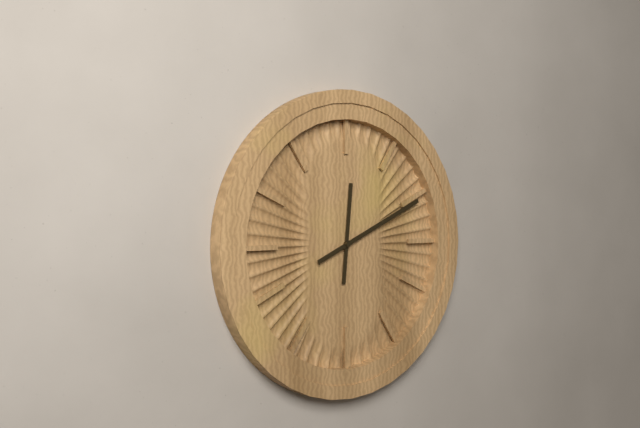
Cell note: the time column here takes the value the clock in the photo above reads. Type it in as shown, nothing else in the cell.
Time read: 12:11
